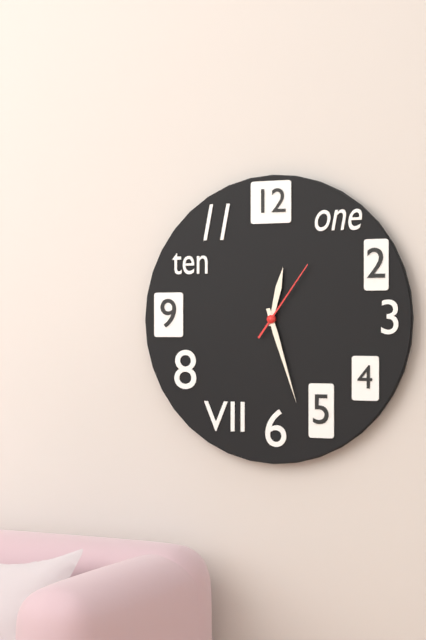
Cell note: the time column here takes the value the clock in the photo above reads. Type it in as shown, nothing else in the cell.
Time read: 12:27:06
